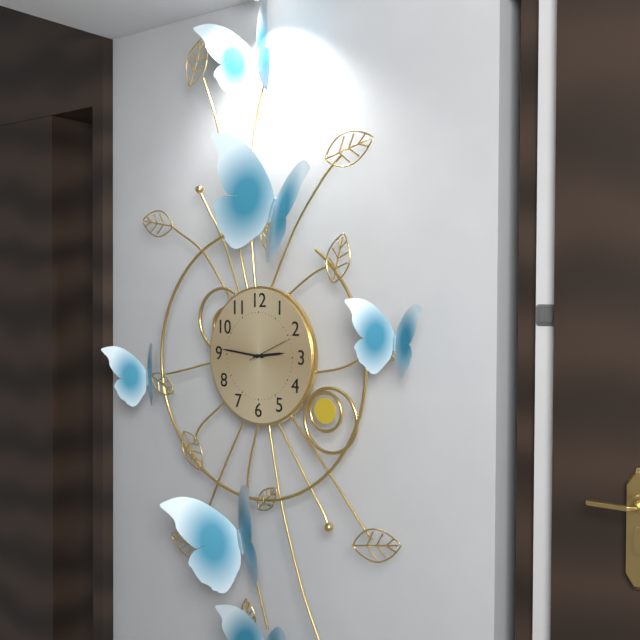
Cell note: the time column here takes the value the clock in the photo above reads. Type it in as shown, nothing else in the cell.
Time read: 2:46
